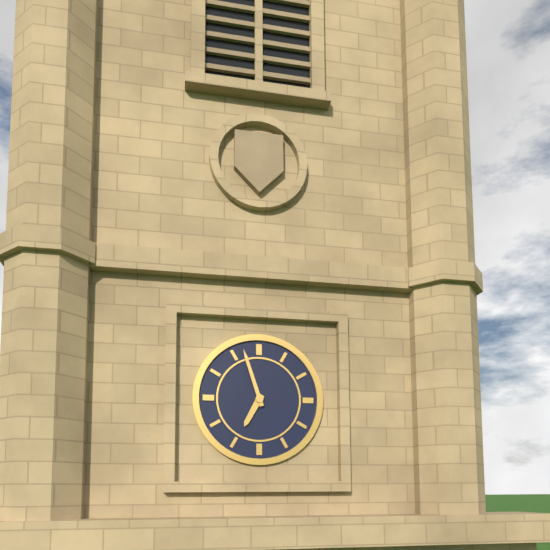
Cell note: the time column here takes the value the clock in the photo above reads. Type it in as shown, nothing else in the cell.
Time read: 6:57
